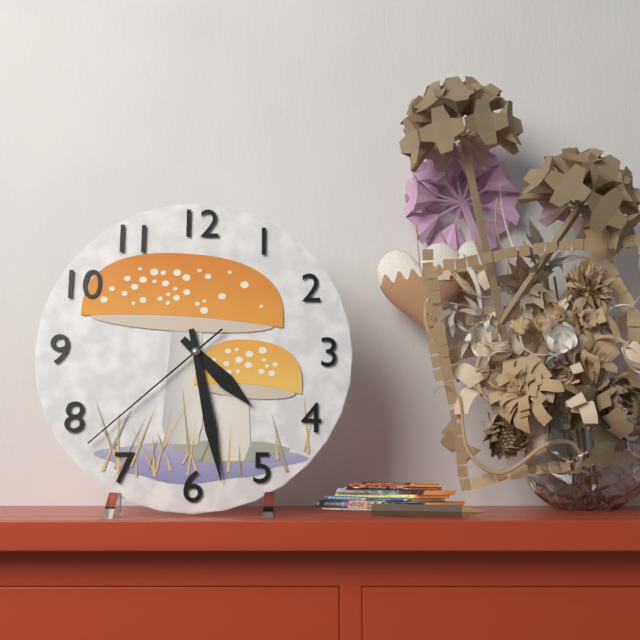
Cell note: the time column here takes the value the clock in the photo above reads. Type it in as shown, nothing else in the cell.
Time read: 4:28:38
